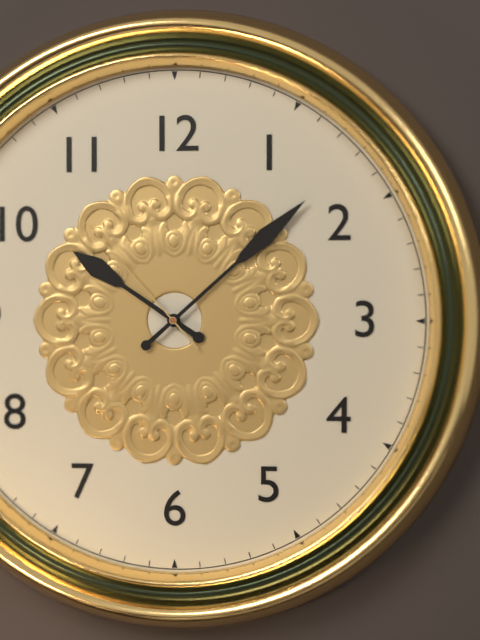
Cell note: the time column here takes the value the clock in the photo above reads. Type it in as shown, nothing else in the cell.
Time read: 10:08:53
